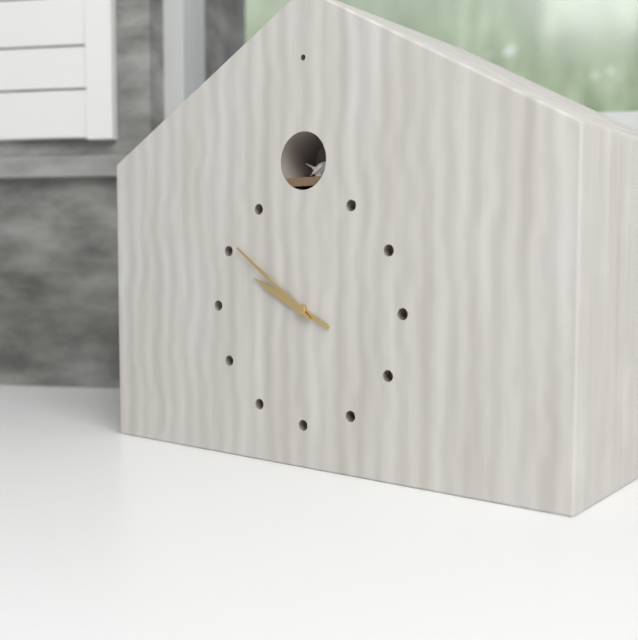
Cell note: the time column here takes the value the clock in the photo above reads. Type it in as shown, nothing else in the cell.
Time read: 9:51
